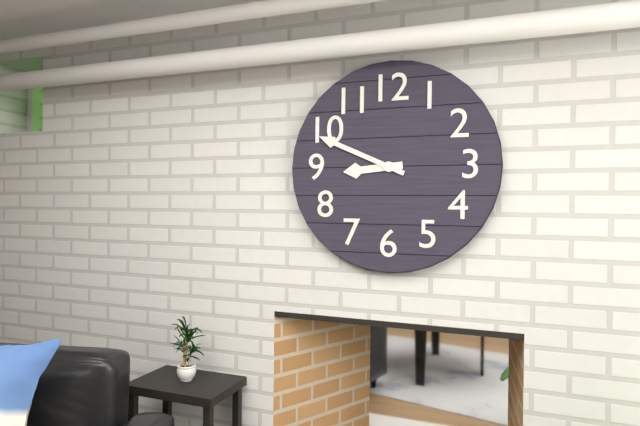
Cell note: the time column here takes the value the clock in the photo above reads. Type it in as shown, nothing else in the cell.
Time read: 8:49
